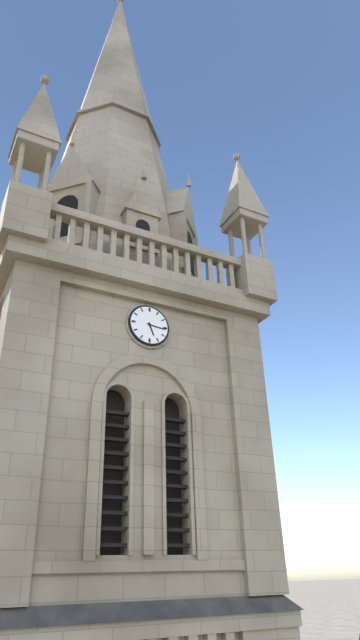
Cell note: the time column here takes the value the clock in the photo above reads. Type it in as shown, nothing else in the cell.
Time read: 5:16
